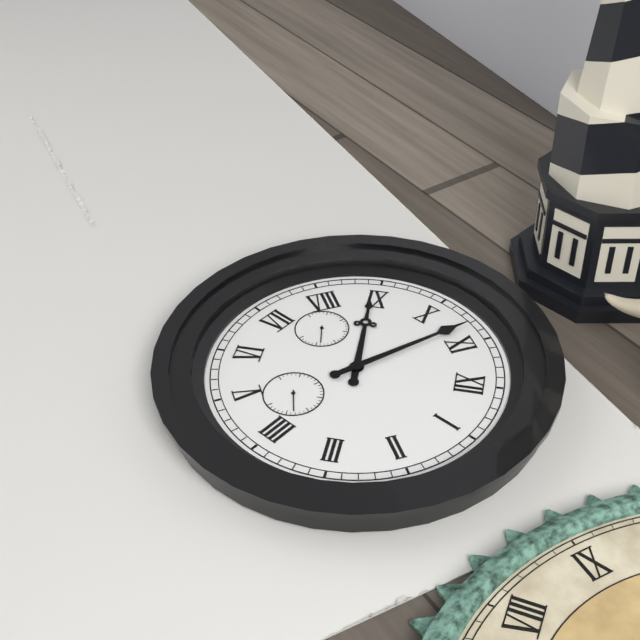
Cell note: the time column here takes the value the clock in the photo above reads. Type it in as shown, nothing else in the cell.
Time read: 8:53
